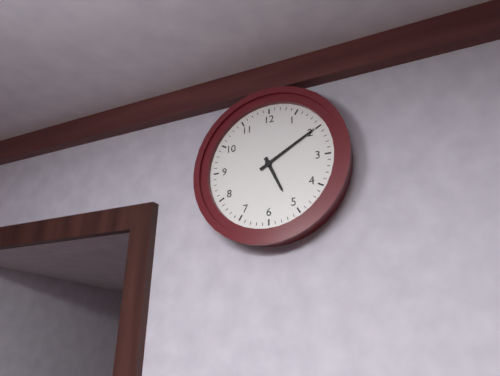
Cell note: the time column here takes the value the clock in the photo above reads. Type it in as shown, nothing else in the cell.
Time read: 5:10
